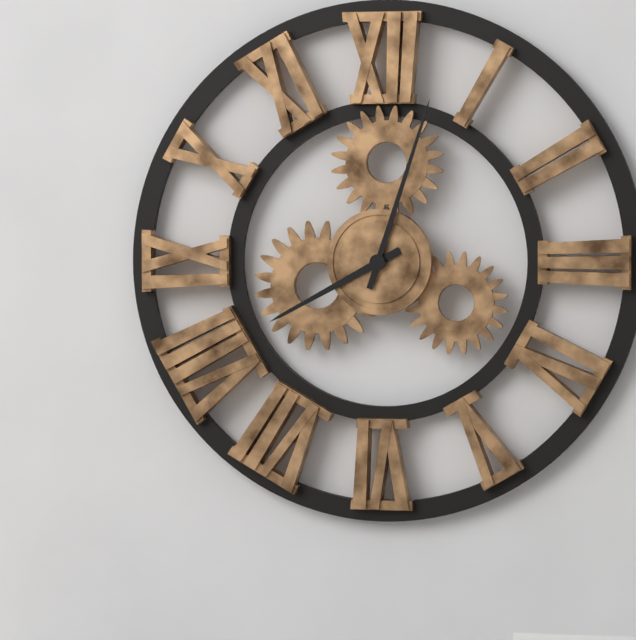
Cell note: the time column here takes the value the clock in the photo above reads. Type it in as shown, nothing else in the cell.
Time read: 8:03
